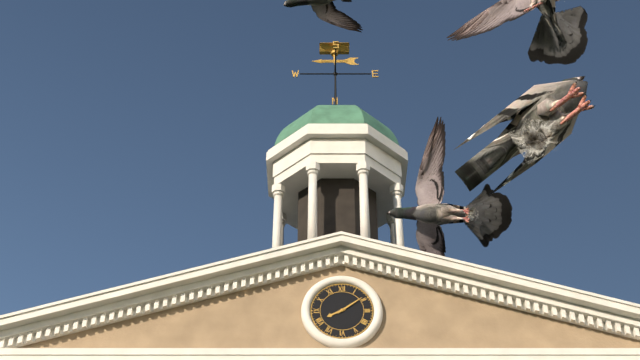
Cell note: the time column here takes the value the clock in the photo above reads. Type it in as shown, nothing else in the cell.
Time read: 8:09
